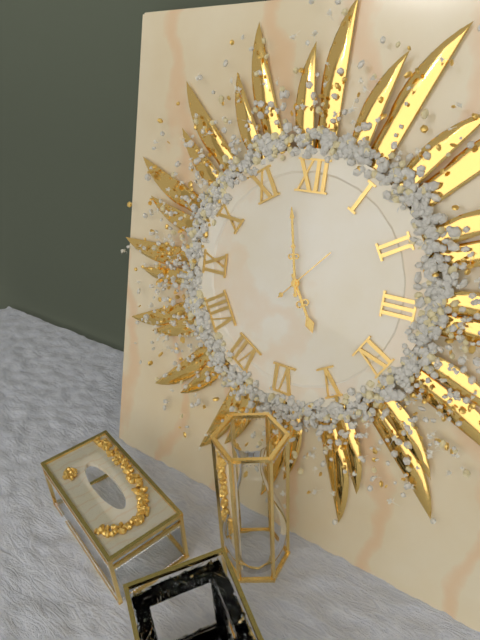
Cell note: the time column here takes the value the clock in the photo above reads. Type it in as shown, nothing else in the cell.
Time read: 4:58:07
